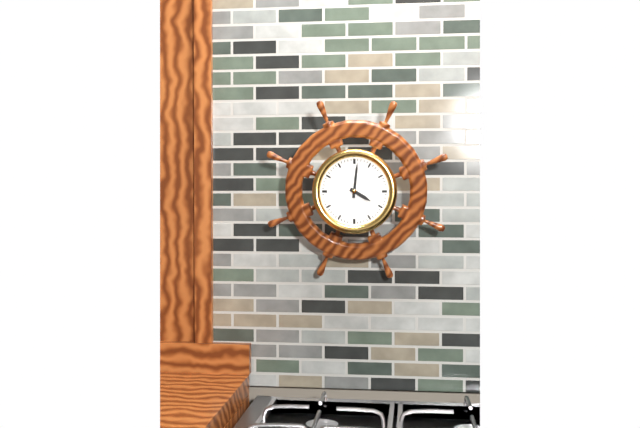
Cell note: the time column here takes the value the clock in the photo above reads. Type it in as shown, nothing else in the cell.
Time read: 4:01
